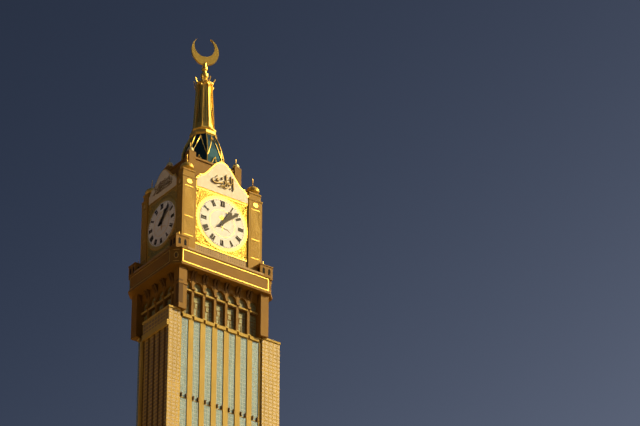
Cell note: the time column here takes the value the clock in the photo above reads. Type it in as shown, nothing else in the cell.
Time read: 1:08
